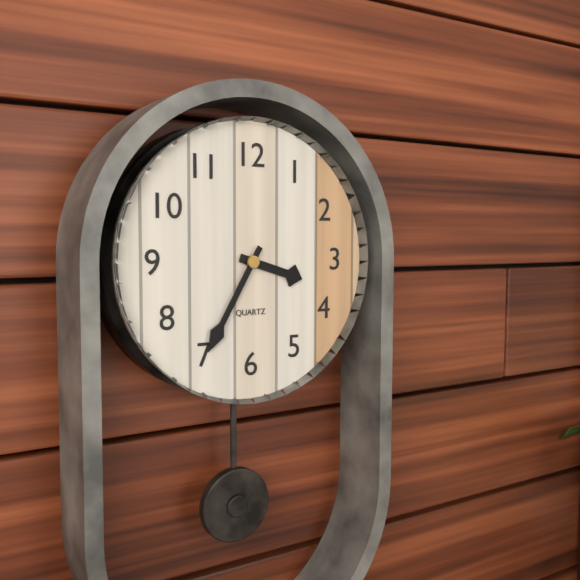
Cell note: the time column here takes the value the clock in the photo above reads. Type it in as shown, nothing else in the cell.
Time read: 3:35
